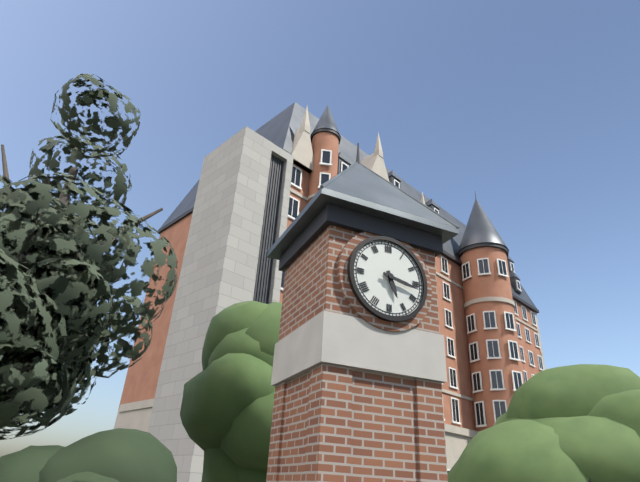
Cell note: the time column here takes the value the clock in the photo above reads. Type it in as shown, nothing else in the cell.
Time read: 5:17
